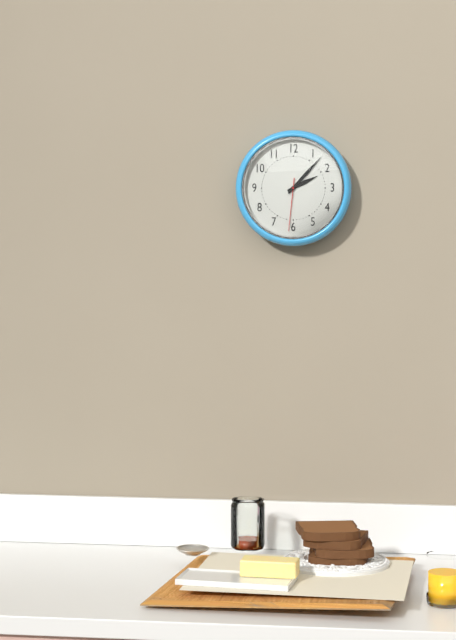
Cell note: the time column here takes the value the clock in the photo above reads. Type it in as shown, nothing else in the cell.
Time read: 2:07:31
